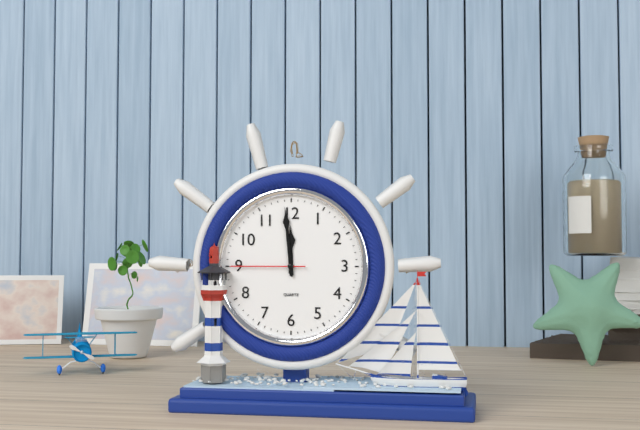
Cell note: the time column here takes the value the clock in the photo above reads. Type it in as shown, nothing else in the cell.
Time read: 11:59:45
